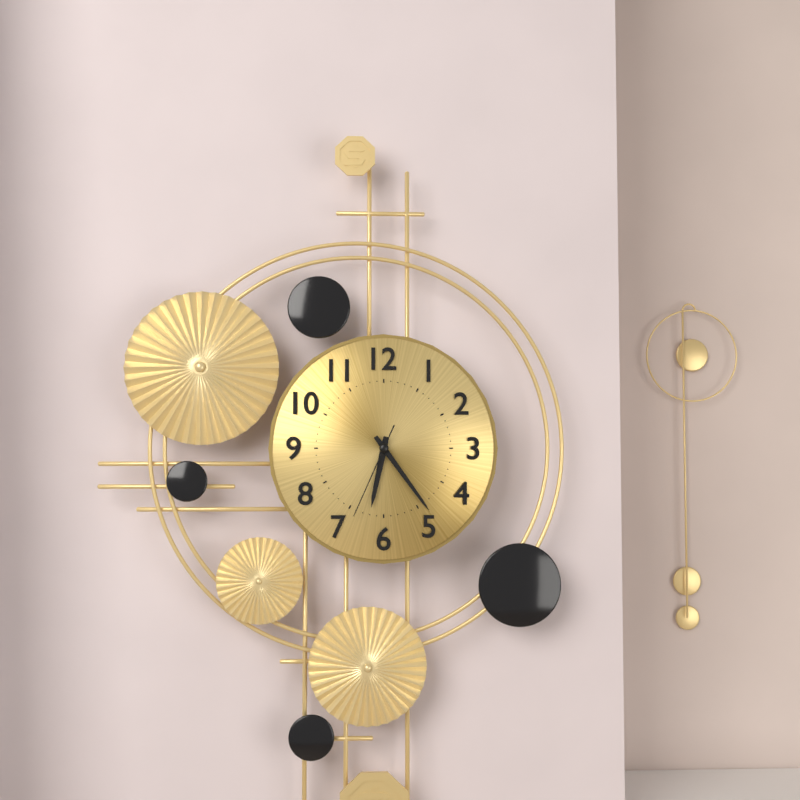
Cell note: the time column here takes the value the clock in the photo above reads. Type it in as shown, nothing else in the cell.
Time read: 6:24:34
